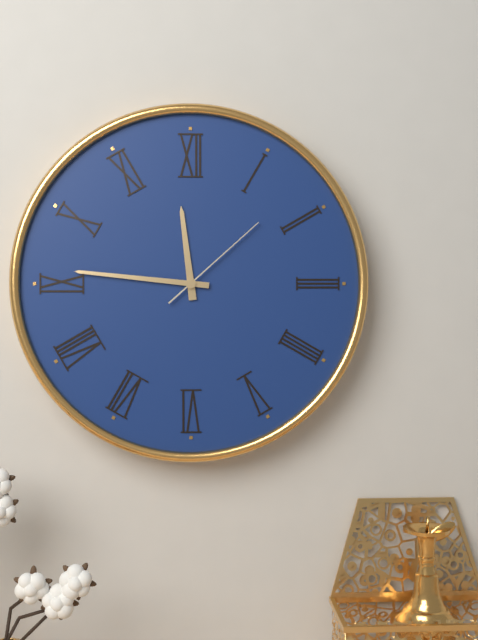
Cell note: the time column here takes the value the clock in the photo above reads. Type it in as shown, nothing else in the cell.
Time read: 11:46:08
